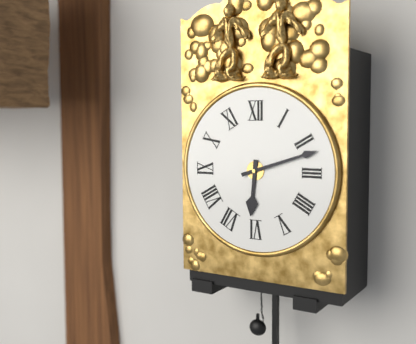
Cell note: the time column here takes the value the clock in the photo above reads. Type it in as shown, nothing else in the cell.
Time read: 6:12
